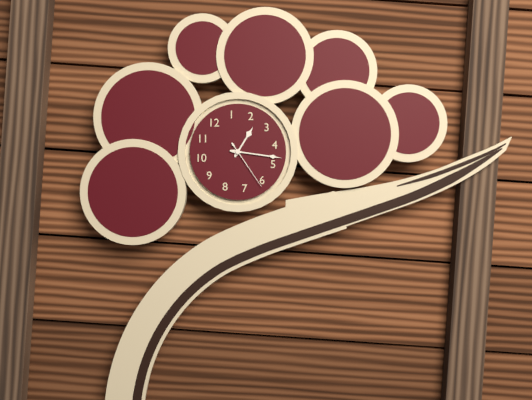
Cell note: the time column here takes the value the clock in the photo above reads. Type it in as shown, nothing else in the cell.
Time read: 2:23:31
